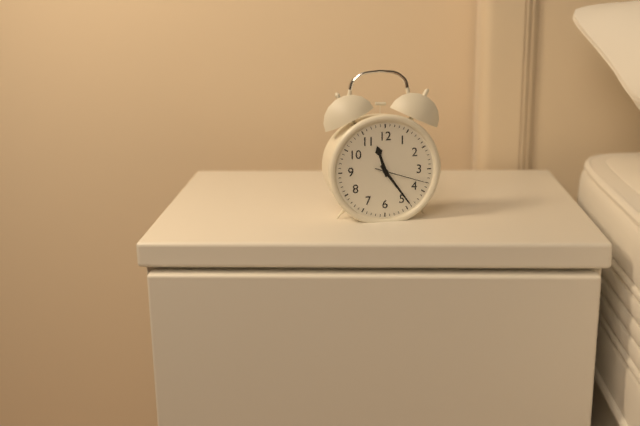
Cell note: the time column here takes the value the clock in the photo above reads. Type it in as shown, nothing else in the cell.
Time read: 11:24:18
